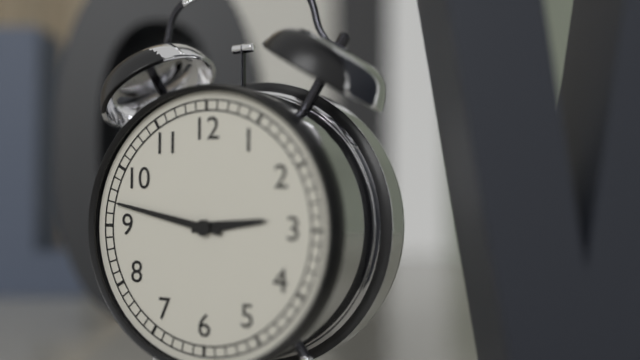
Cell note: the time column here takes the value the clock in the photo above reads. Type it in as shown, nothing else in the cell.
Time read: 2:47
